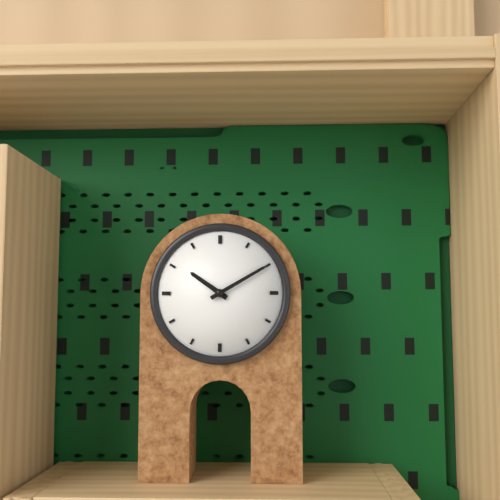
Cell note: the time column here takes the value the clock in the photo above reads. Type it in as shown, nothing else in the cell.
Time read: 10:10
